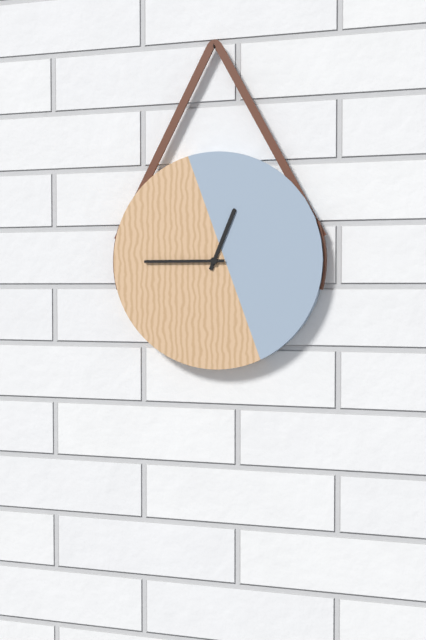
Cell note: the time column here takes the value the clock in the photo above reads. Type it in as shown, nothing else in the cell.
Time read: 12:45
